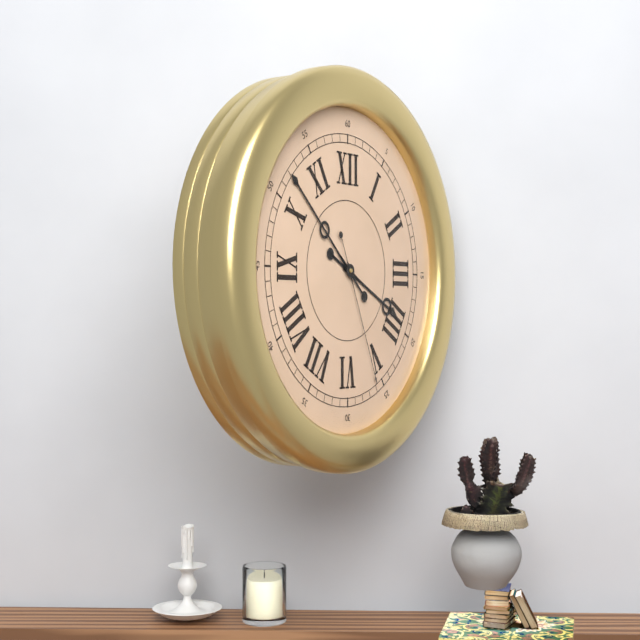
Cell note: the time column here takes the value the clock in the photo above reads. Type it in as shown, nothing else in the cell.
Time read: 3:52:26
